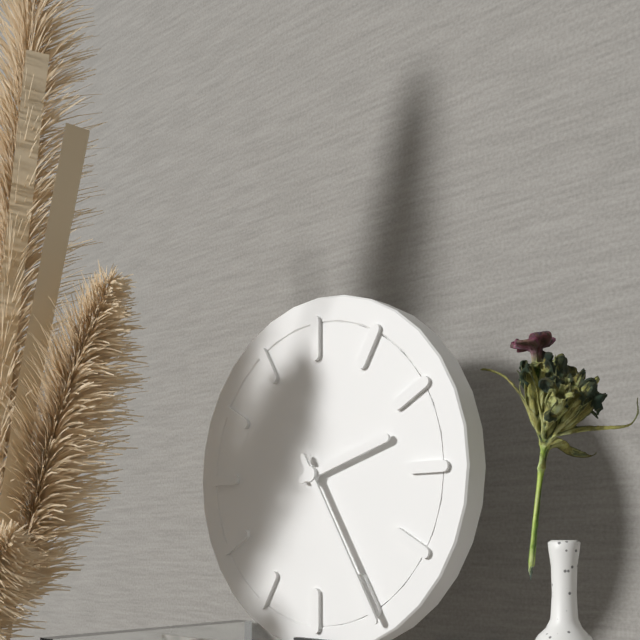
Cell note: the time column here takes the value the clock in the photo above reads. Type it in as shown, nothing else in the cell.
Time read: 2:25
